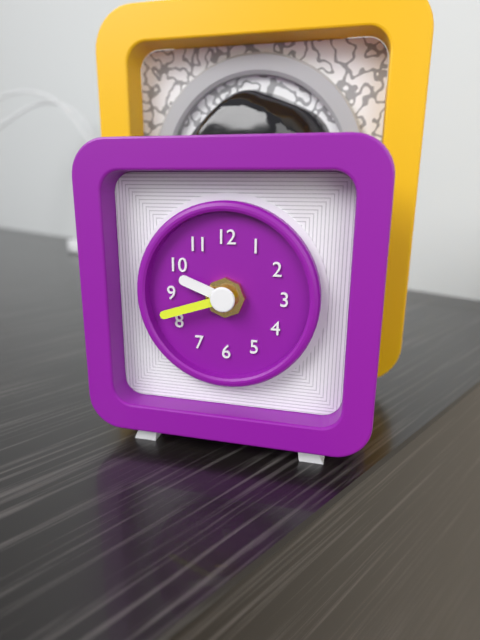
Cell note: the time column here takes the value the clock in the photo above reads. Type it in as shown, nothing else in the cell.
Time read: 9:42
